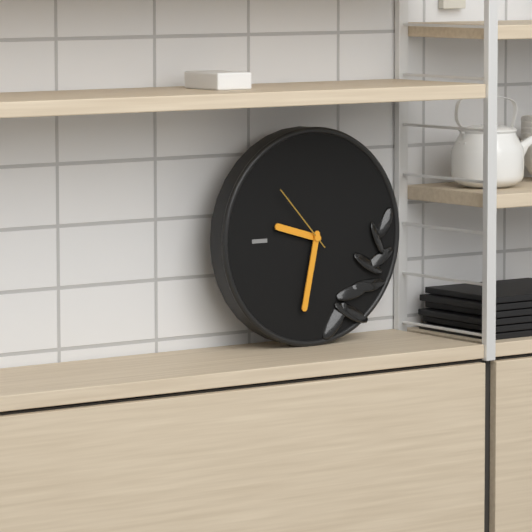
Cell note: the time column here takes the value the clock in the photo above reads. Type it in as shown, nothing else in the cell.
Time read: 9:32:53
